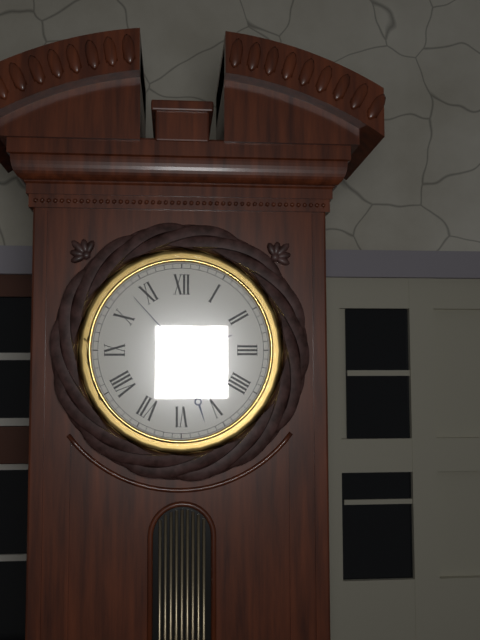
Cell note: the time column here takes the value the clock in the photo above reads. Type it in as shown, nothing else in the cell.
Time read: 2:27:53
